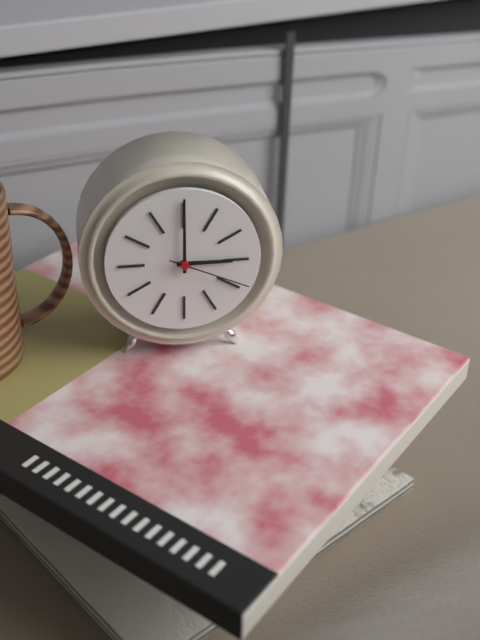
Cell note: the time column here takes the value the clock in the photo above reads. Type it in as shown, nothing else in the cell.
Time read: 3:00:19
